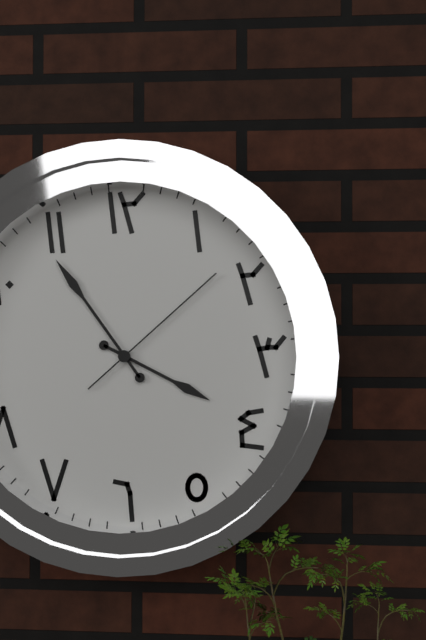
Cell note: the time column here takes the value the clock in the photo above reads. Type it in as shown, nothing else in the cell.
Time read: 3:54:08
